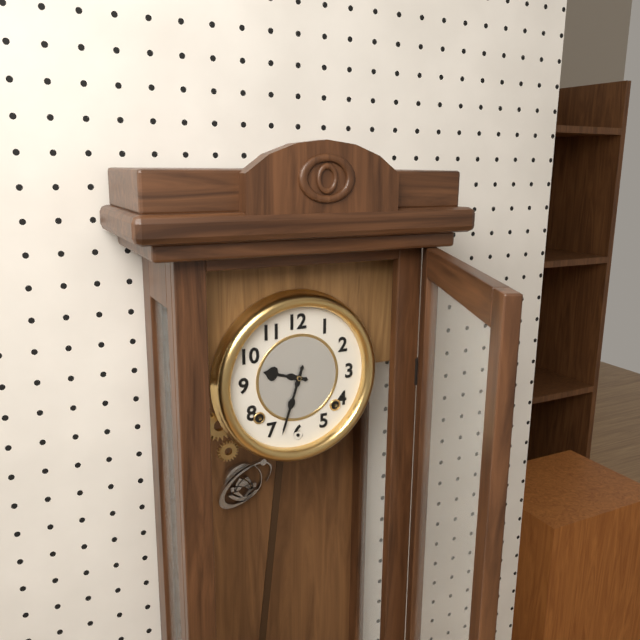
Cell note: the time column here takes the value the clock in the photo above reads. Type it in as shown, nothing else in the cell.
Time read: 9:33
